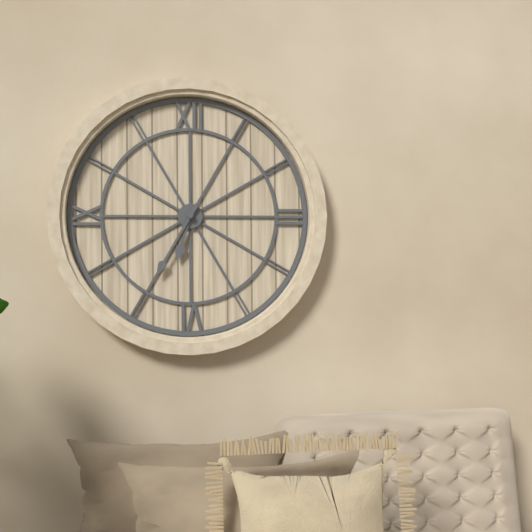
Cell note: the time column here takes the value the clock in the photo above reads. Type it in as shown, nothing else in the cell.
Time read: 6:35
